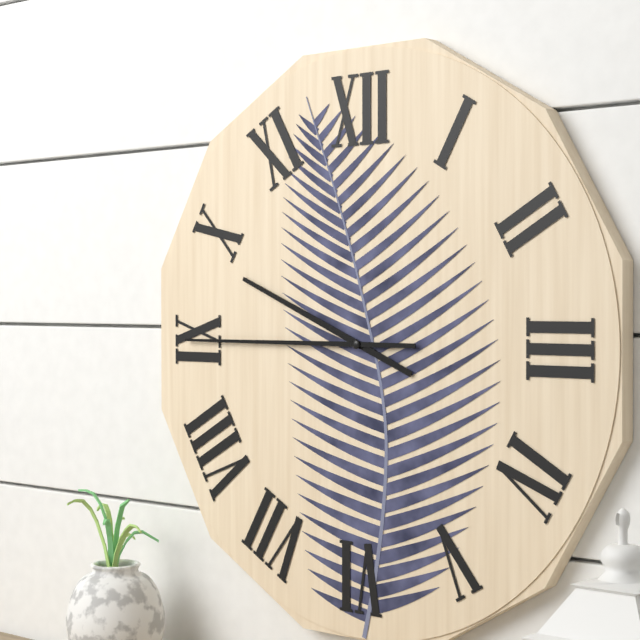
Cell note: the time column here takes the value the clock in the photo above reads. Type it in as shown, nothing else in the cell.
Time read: 9:45
